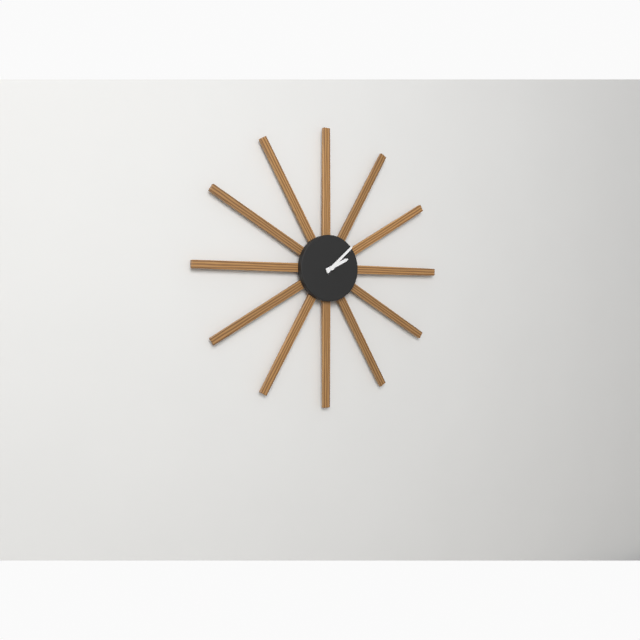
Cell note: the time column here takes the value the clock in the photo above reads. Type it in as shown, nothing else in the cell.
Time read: 2:08
